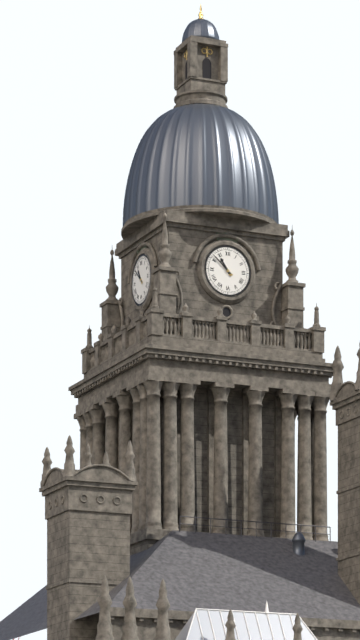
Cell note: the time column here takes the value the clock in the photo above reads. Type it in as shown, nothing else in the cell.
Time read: 10:52
